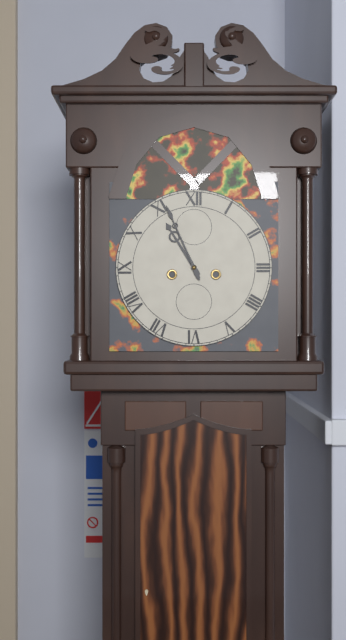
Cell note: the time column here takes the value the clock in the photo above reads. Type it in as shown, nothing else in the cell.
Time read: 10:56
